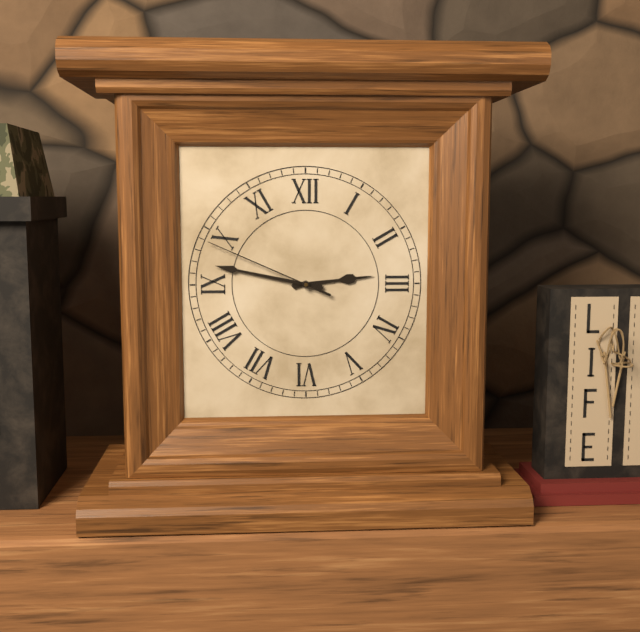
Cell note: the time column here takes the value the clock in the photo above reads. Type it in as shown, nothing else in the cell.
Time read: 2:47:49
